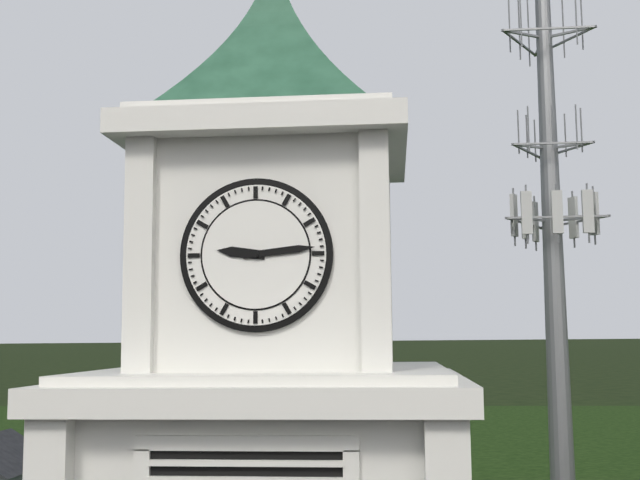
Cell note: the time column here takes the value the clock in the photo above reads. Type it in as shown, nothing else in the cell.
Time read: 9:14
